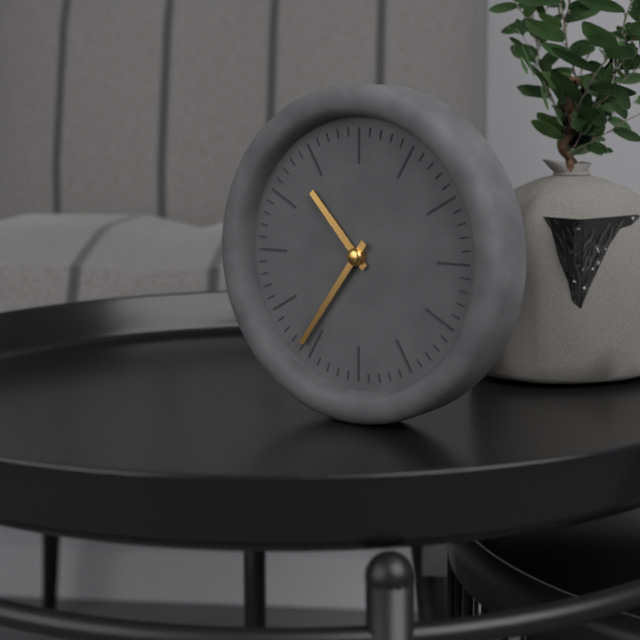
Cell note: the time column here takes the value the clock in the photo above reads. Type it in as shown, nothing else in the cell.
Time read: 10:36
